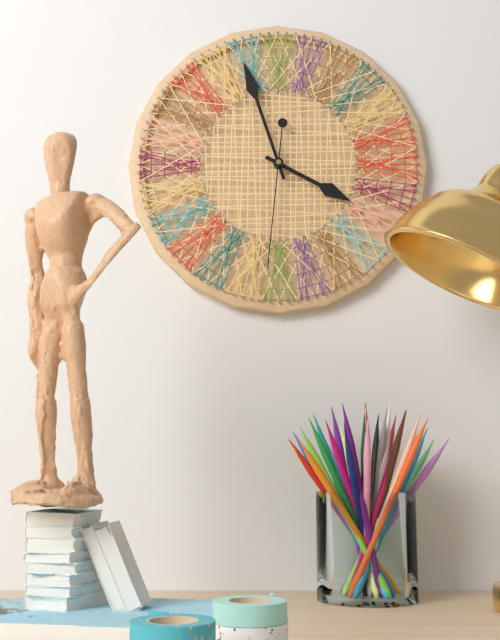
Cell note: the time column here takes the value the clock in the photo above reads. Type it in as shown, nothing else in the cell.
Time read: 3:57:31
